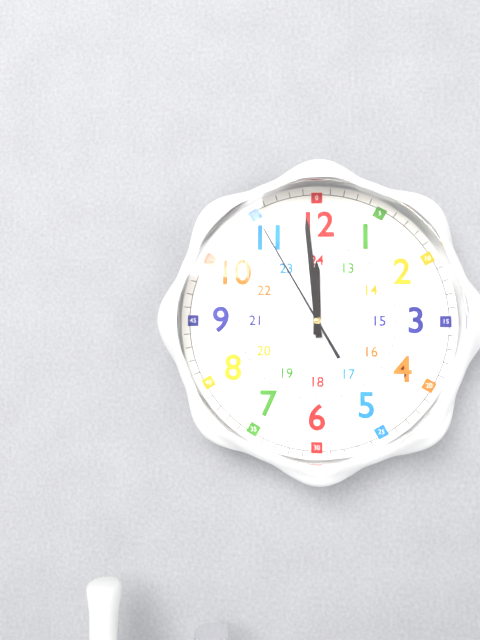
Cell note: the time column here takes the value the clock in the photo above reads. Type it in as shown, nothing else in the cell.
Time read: 11:59:55
